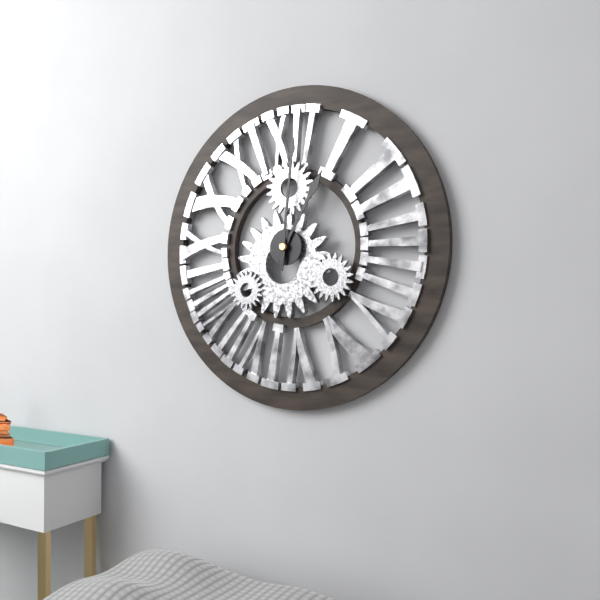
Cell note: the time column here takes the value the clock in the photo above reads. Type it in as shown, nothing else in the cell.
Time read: 1:01
